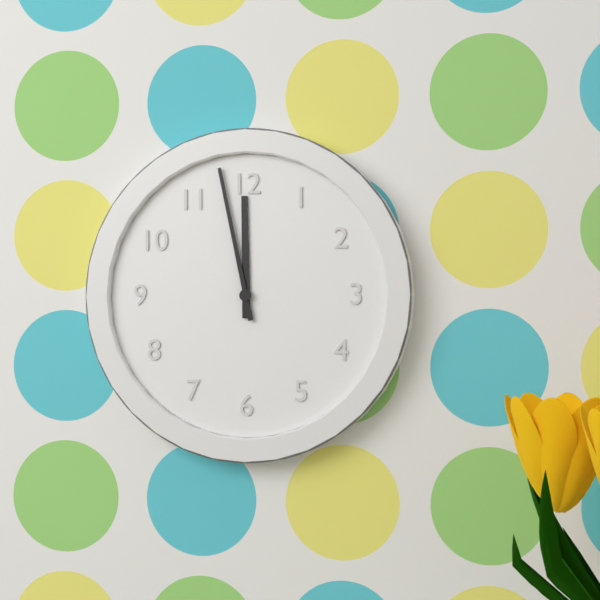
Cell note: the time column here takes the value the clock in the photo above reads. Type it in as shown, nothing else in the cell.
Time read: 11:58
